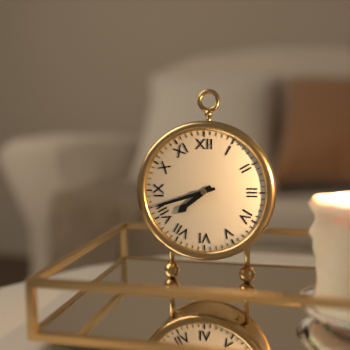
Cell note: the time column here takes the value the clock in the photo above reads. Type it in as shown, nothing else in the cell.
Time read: 7:42
